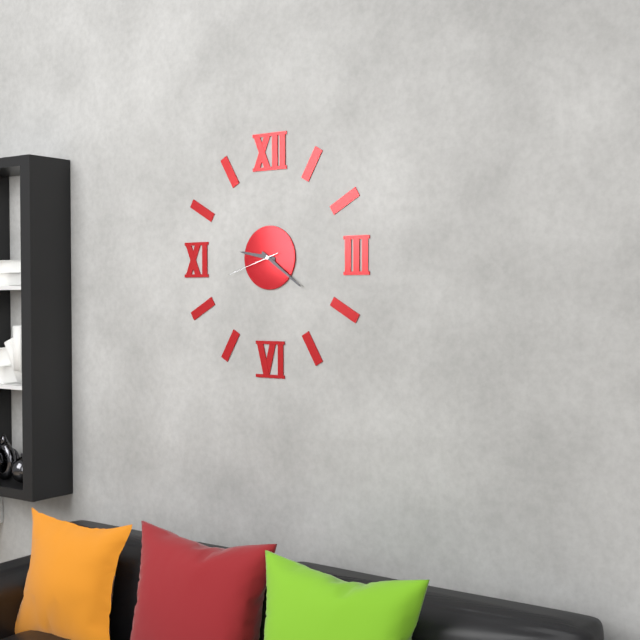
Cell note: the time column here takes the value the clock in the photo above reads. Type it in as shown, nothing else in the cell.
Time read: 9:21:42
